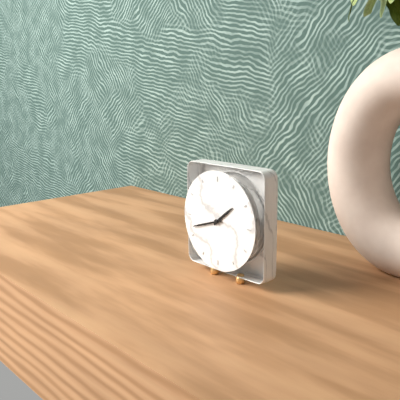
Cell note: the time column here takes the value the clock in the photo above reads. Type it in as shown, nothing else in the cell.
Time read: 1:42
